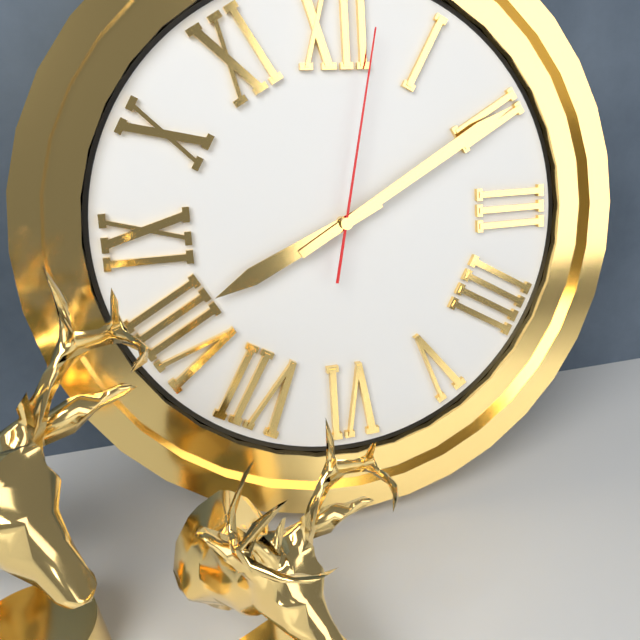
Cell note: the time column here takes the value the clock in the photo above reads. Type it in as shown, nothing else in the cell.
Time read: 8:10:02
